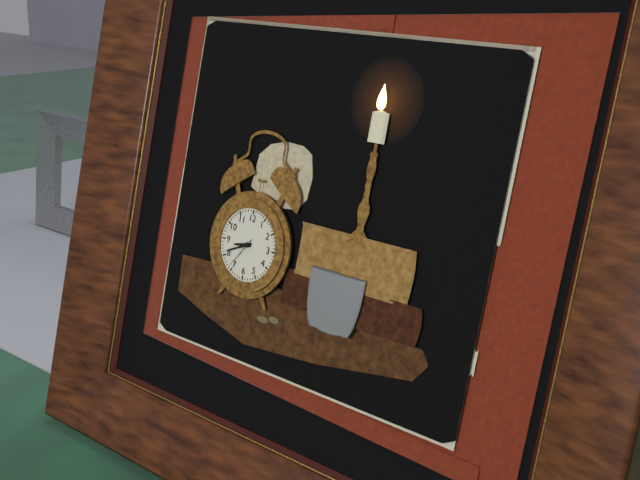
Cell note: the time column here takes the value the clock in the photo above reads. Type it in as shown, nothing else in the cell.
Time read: 8:41
